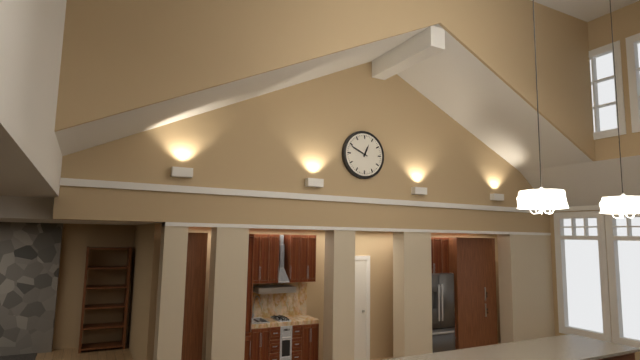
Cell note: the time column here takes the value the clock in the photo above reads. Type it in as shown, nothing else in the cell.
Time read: 12:49
